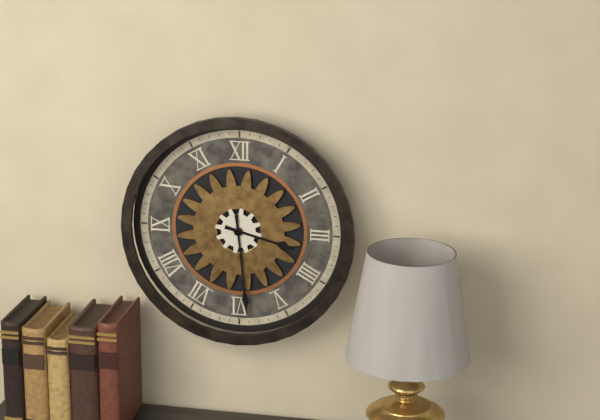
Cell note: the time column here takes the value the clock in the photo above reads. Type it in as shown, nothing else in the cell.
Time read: 3:29
